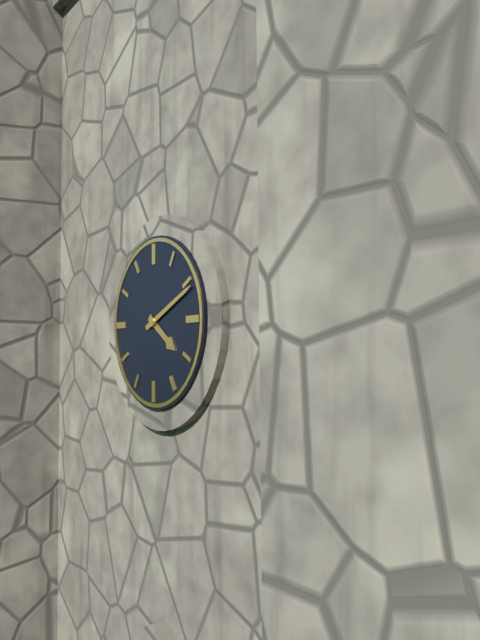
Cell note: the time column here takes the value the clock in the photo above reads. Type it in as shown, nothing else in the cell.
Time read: 4:11
